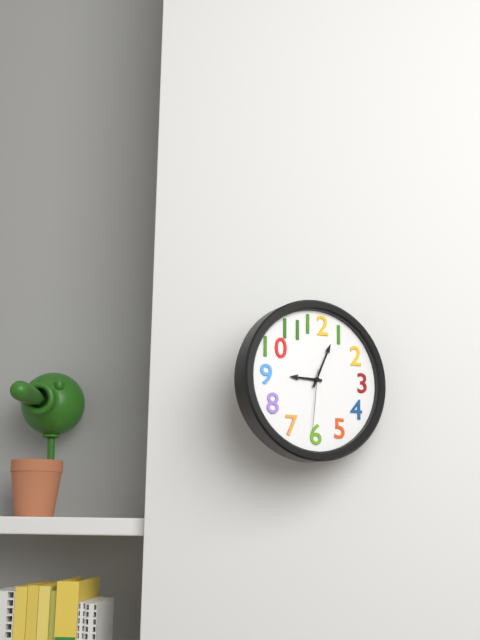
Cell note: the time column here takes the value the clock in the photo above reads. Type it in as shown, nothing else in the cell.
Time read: 9:04:31
